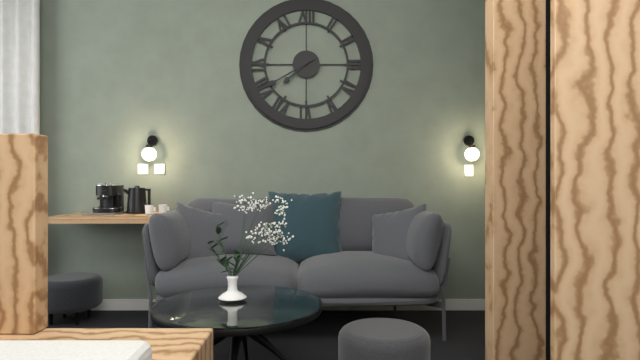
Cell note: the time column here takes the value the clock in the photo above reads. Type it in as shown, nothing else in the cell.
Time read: 7:40
